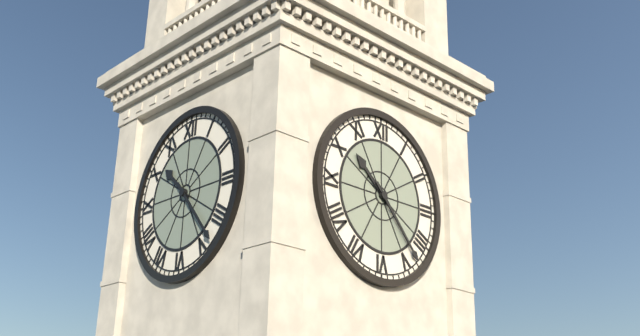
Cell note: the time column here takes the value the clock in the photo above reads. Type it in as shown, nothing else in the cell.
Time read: 10:23
